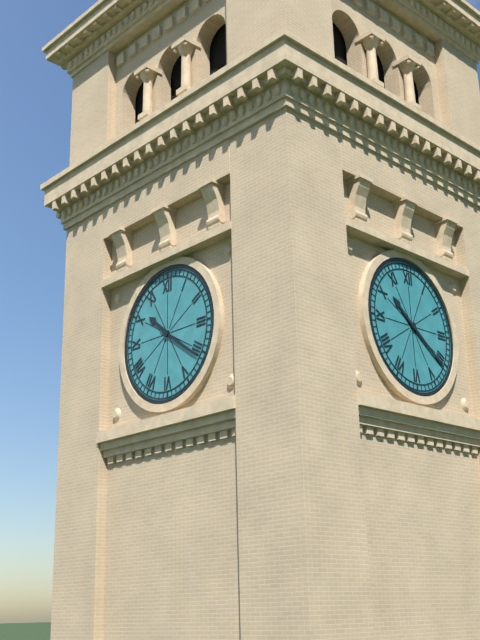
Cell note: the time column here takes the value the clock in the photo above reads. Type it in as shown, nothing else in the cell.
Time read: 10:21
